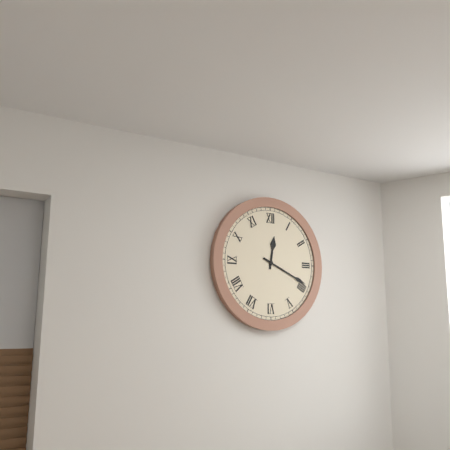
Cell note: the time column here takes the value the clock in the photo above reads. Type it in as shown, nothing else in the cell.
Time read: 12:19
